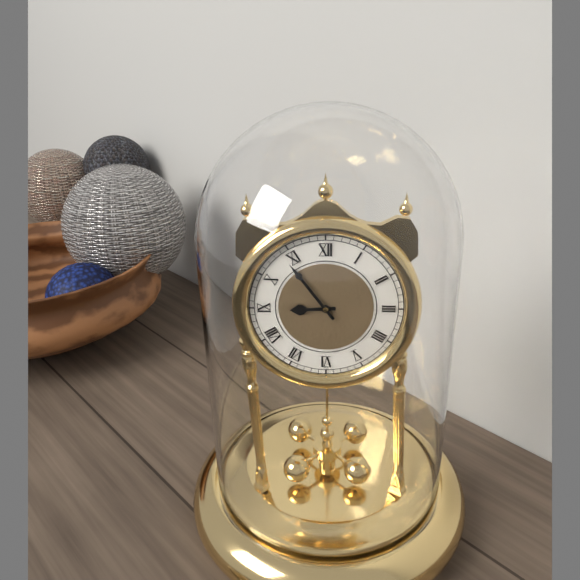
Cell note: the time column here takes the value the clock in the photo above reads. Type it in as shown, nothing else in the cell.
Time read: 8:54
